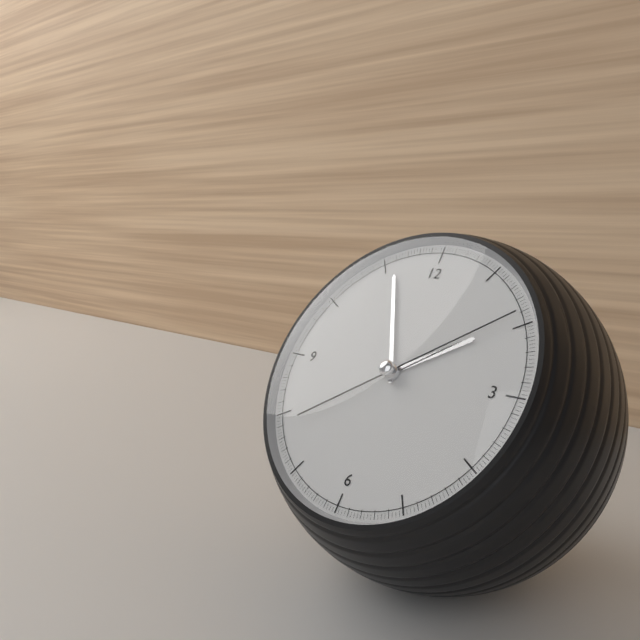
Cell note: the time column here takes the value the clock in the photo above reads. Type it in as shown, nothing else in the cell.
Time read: 1:56:09
